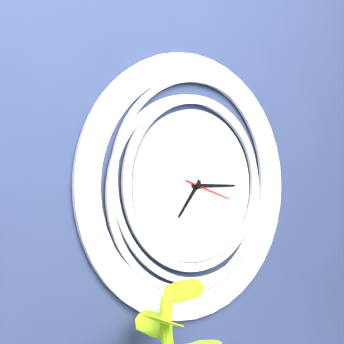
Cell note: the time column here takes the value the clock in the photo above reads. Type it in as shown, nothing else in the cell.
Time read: 7:15
